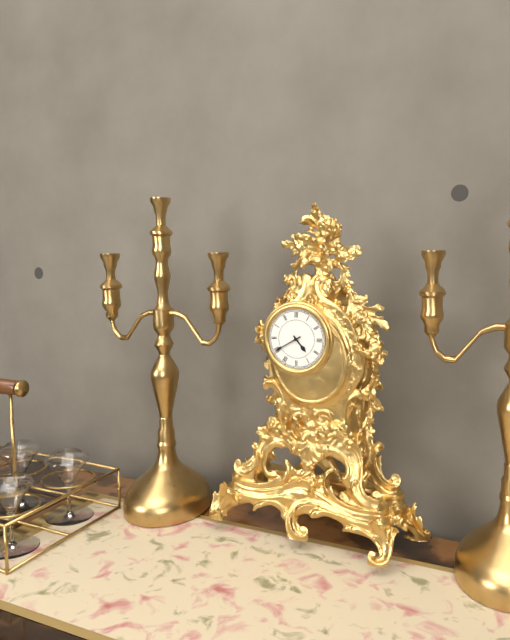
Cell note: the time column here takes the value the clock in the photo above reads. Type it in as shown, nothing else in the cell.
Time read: 4:40
